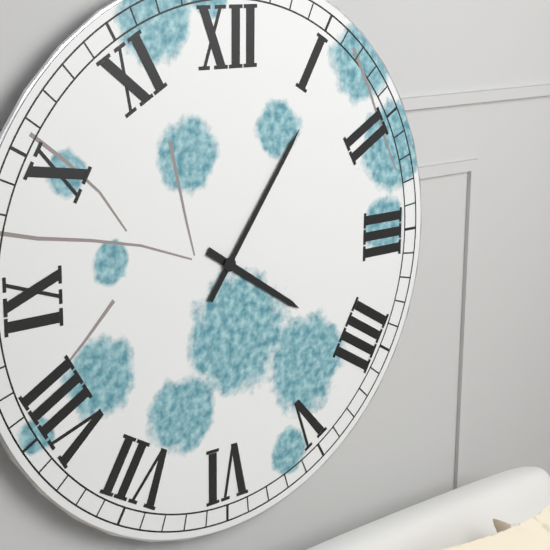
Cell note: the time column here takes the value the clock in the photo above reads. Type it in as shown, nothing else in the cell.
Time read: 4:06
